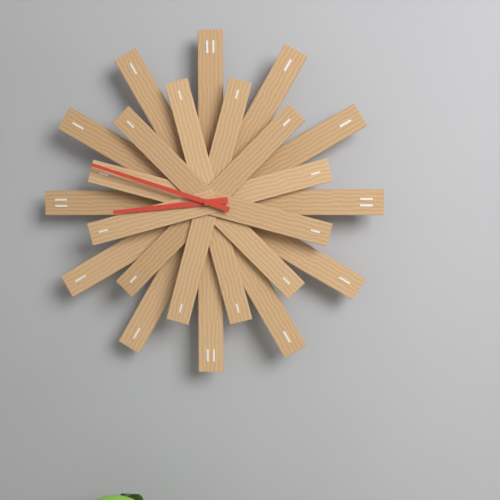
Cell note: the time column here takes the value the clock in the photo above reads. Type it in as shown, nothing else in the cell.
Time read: 8:48
